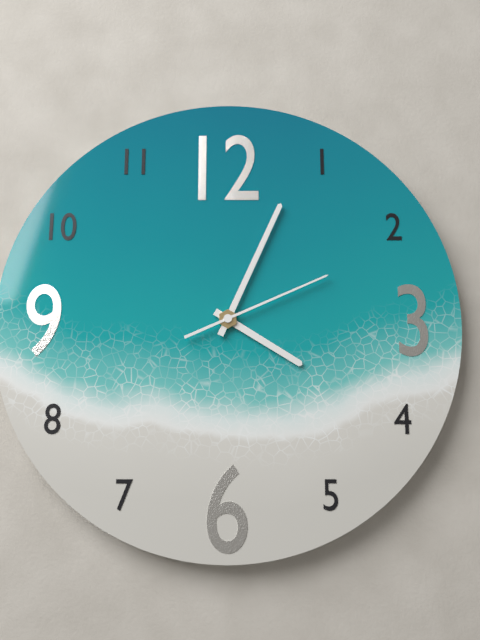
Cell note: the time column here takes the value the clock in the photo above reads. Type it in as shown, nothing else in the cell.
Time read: 4:04:11
